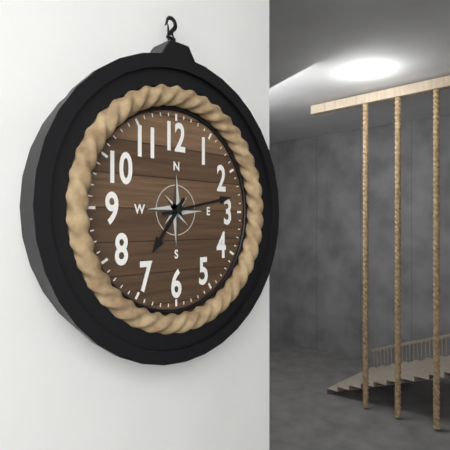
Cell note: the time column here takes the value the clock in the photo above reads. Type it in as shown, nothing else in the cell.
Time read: 7:13
